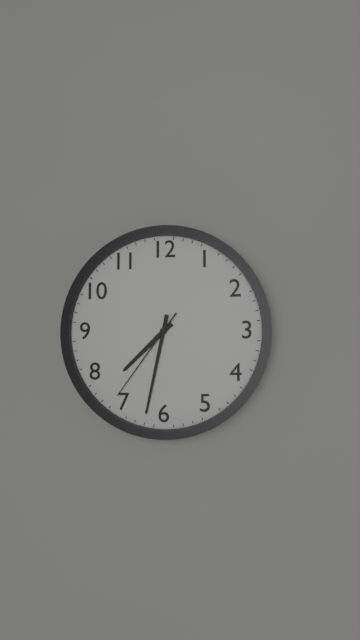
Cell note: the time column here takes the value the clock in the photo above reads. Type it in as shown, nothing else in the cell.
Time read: 7:32:36
